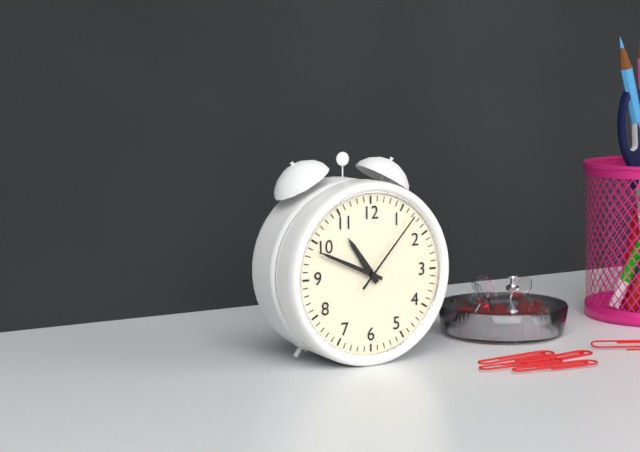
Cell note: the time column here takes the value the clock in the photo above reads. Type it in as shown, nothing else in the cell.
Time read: 10:49:07
